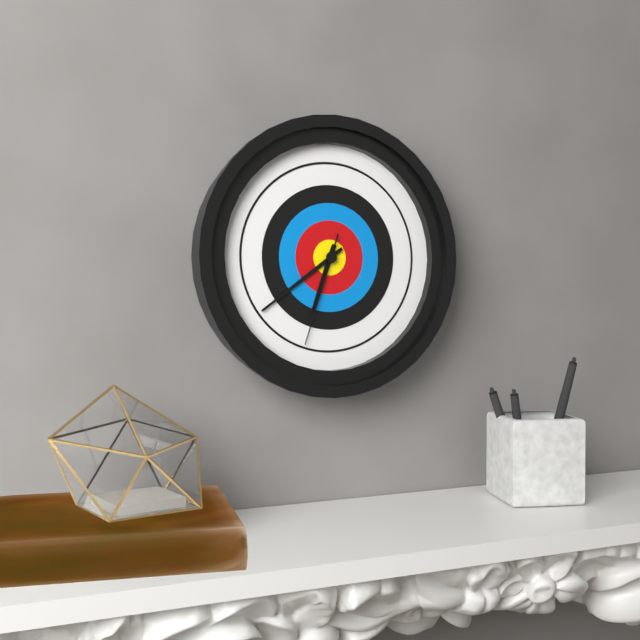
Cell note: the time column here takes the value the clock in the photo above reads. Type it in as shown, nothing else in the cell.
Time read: 6:39:33
